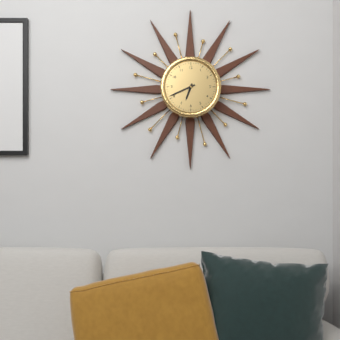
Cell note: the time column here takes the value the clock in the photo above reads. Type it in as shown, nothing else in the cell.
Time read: 6:41
